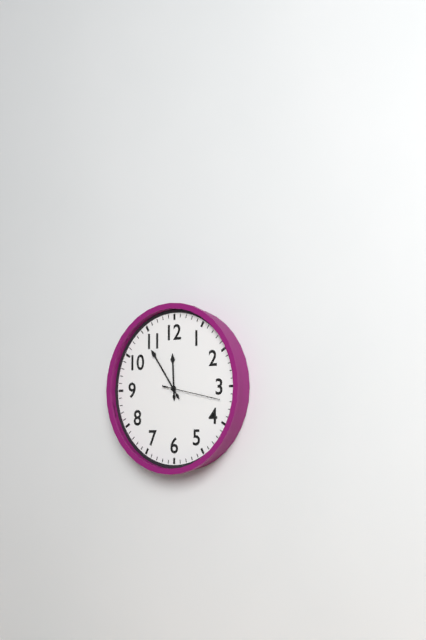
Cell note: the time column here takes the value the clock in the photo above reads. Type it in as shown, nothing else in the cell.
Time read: 11:54:17
